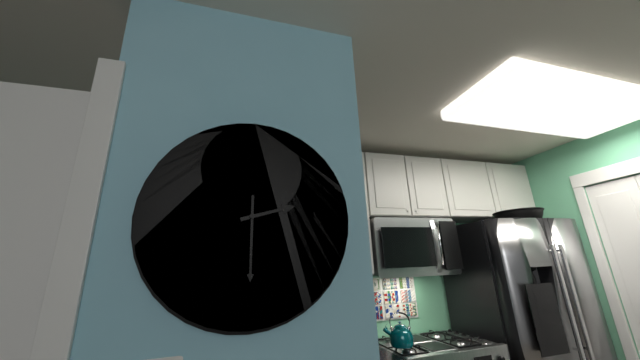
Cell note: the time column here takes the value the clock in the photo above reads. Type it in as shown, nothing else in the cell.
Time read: 2:30
